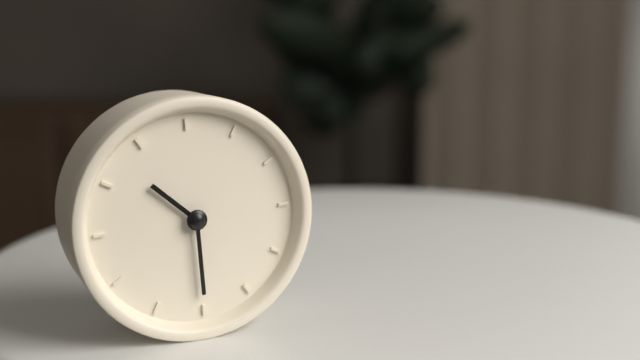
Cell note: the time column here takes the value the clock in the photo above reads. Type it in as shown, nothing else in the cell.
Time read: 10:30
